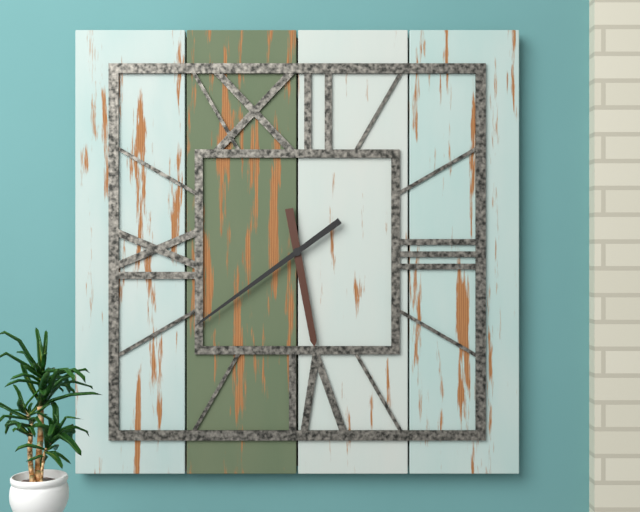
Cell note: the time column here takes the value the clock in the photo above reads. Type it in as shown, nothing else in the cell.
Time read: 5:39
